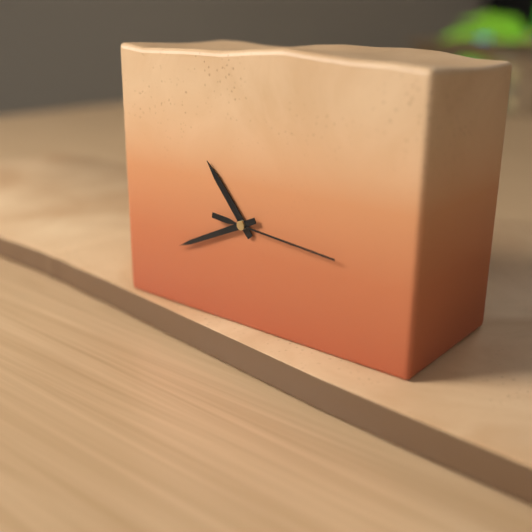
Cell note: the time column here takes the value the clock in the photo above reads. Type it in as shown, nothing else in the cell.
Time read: 10:41:16
